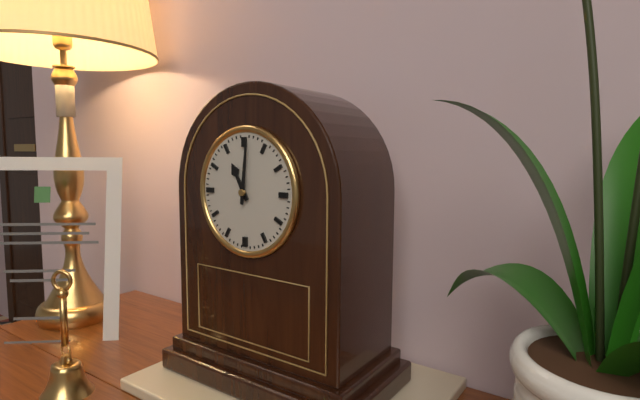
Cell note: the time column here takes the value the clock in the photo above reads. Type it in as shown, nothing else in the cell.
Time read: 11:01
